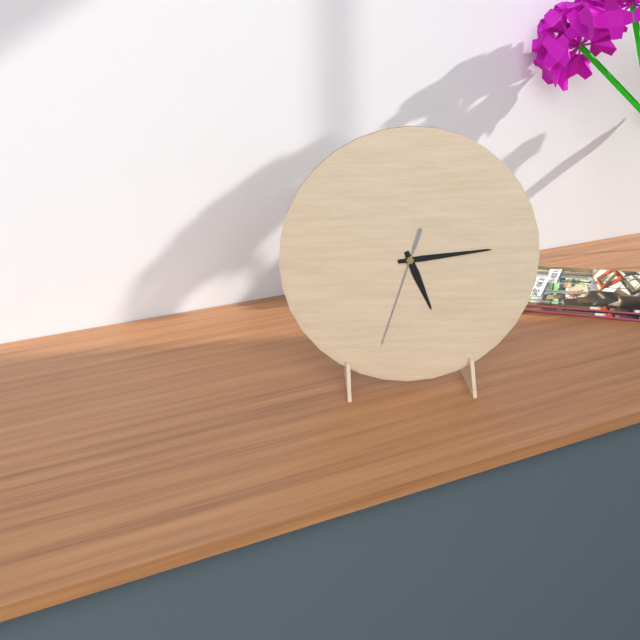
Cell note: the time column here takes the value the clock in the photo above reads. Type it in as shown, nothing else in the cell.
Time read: 5:14:33
